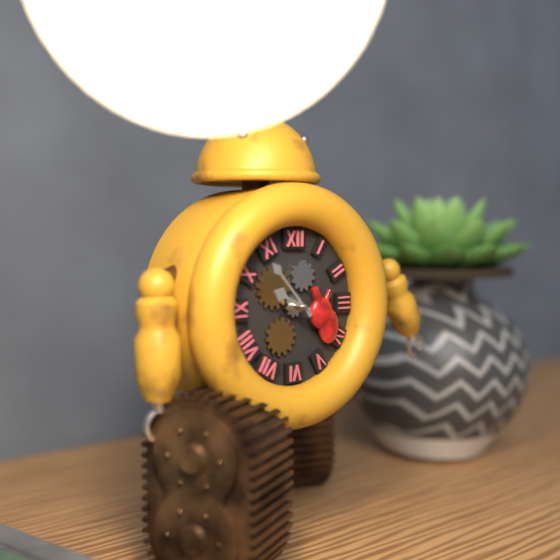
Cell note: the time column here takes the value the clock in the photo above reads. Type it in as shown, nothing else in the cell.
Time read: 9:53
